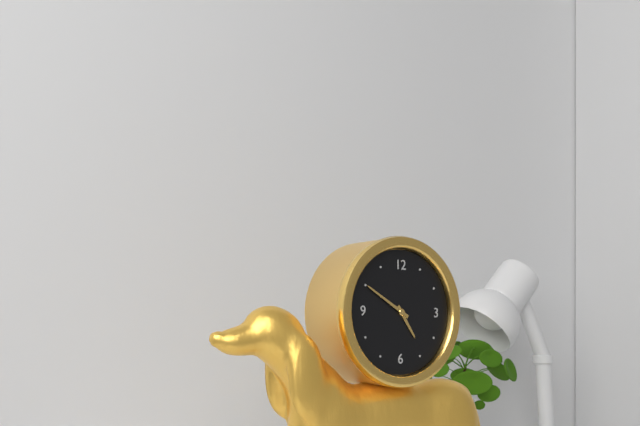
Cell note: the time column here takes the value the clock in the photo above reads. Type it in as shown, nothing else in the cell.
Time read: 4:50
